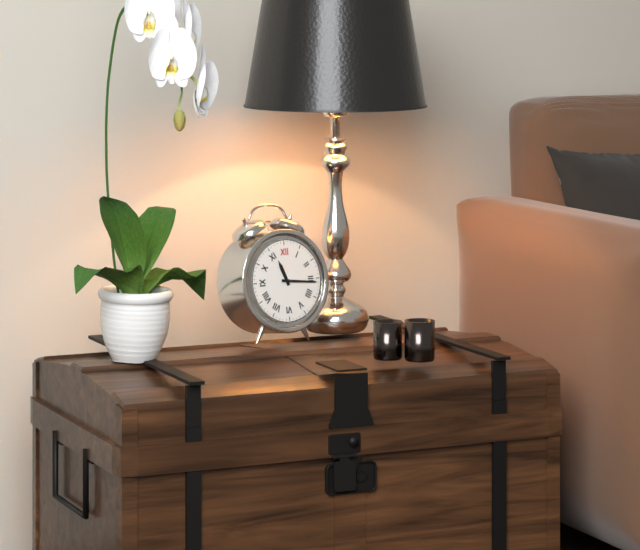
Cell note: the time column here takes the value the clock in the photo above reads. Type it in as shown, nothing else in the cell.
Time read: 11:16
